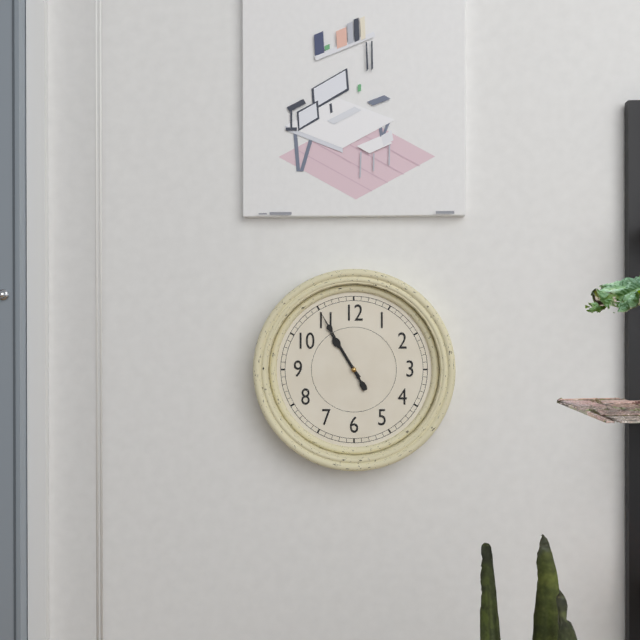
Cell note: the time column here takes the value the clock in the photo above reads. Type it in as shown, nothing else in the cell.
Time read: 10:55
